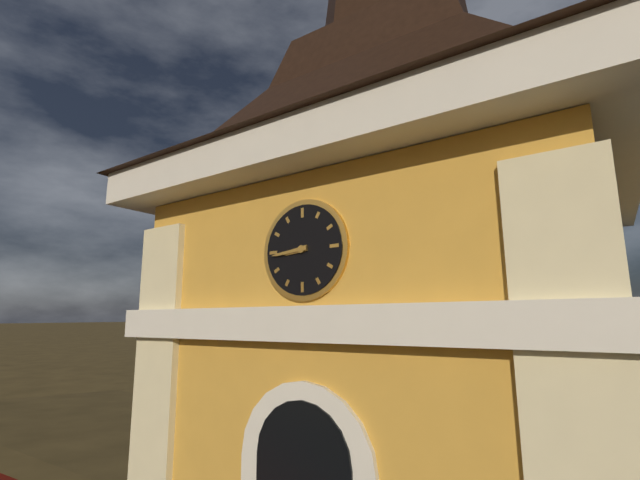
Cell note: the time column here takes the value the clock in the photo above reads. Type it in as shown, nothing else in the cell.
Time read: 8:44
